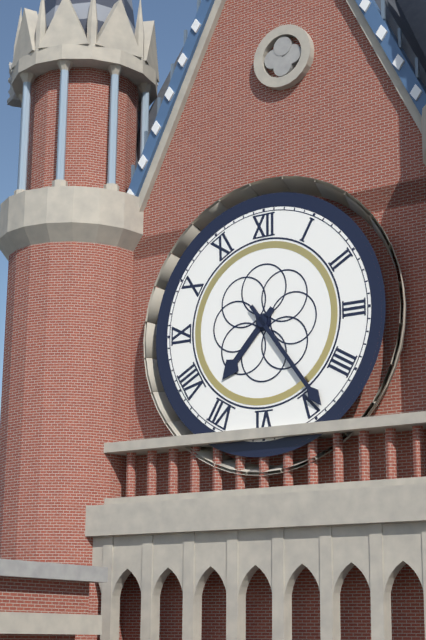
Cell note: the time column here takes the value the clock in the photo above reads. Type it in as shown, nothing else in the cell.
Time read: 7:24
